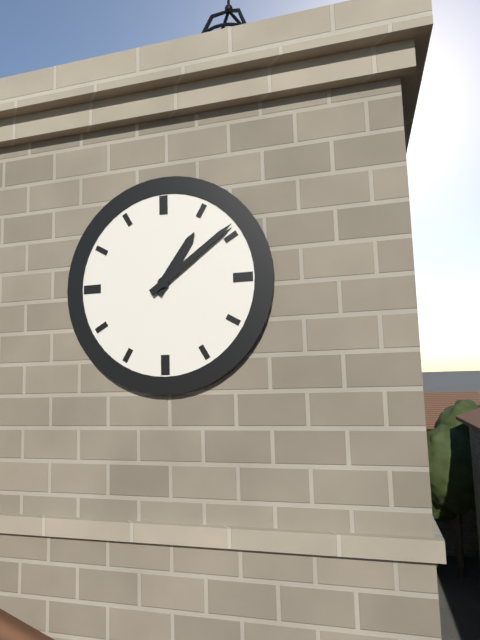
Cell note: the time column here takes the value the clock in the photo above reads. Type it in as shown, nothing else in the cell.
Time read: 1:09
